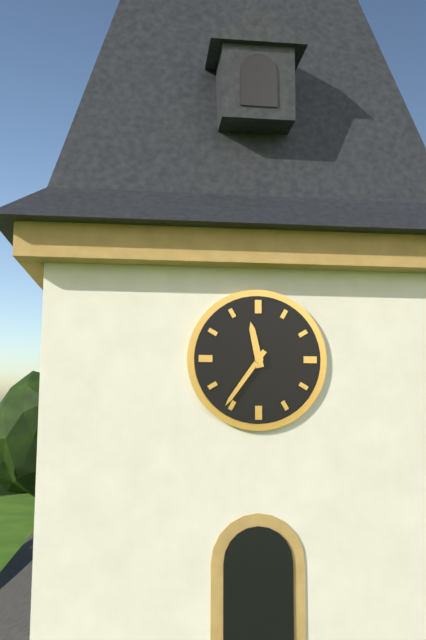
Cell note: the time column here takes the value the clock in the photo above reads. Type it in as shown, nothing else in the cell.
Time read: 11:36
